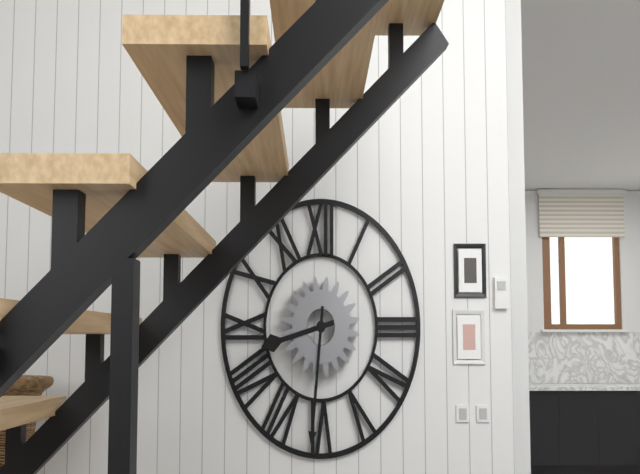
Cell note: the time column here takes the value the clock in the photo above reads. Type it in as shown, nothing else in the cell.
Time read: 8:31
